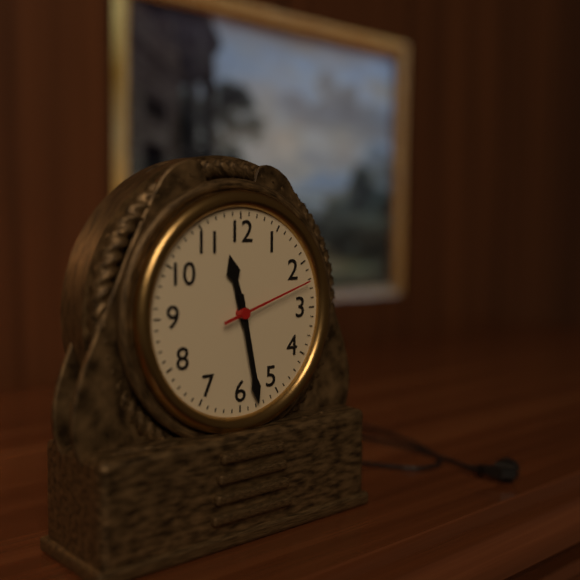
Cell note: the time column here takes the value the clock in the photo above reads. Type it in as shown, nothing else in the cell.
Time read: 11:28:12
